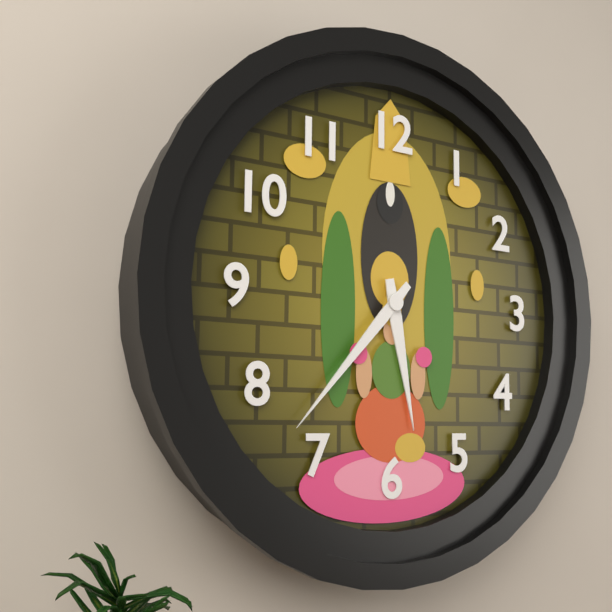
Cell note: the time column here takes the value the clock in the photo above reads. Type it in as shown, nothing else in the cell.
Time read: 5:37
